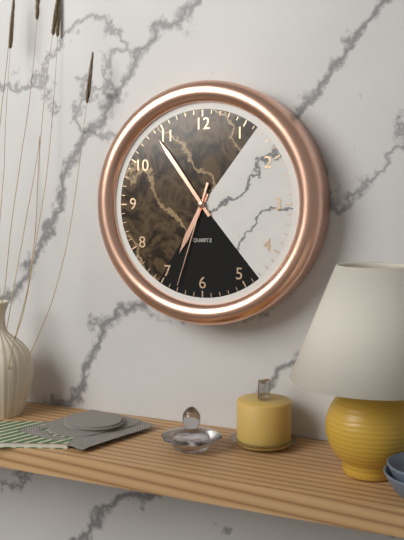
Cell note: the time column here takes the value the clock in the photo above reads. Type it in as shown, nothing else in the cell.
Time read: 6:54:33
